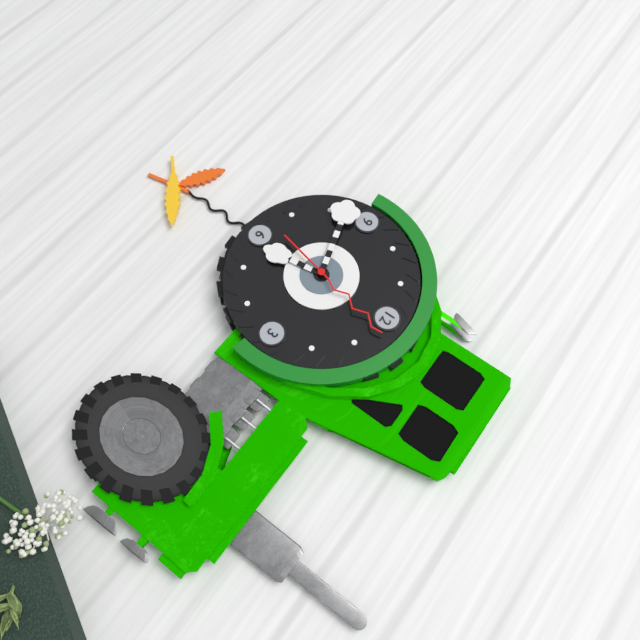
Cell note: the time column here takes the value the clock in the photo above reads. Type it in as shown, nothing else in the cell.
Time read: 5:42:02
